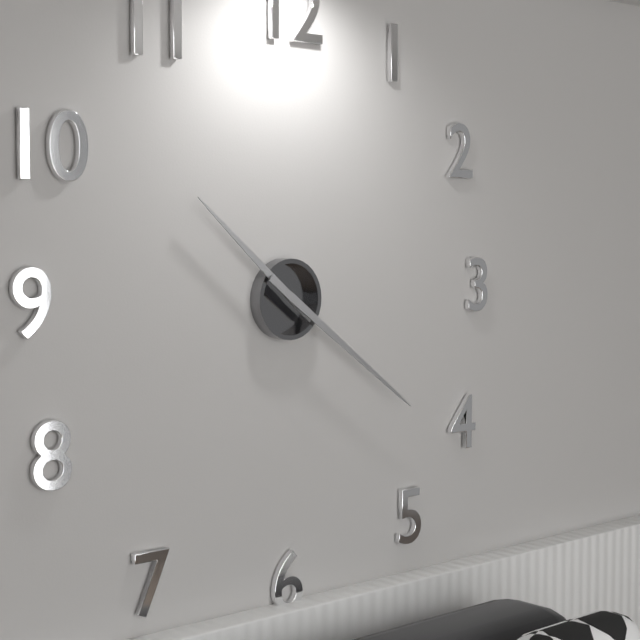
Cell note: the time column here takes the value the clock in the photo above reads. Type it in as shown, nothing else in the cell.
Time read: 10:21
